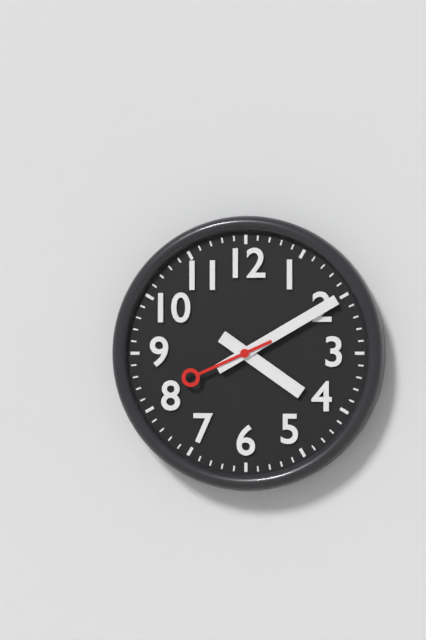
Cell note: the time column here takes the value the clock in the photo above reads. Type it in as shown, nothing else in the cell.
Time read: 4:10:41
